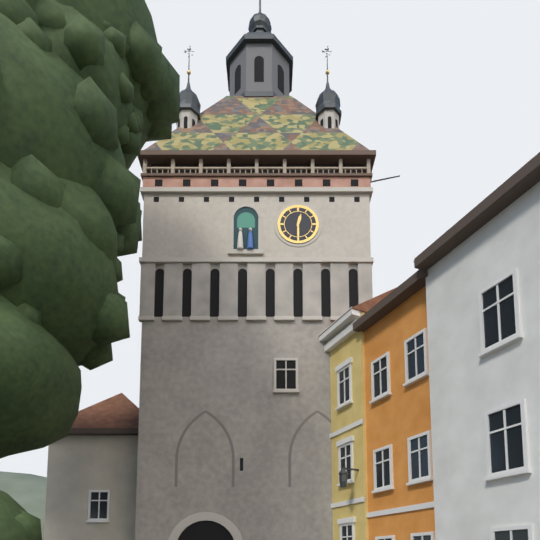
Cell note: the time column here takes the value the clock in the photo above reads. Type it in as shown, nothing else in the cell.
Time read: 12:30
